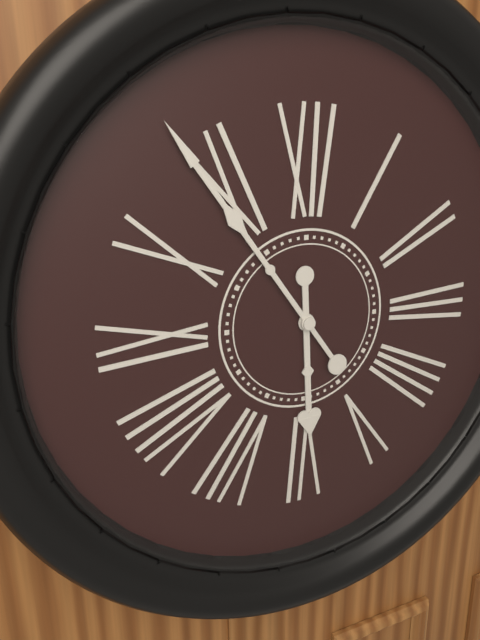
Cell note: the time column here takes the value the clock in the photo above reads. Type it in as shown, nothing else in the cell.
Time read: 5:54
